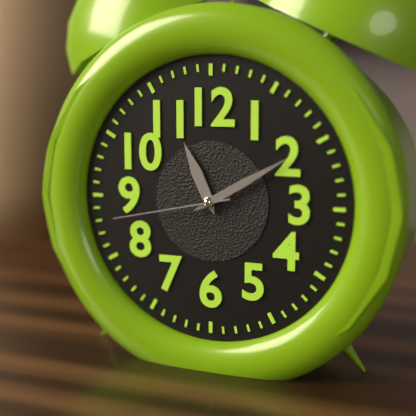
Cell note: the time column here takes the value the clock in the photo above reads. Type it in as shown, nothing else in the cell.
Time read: 11:10:43
